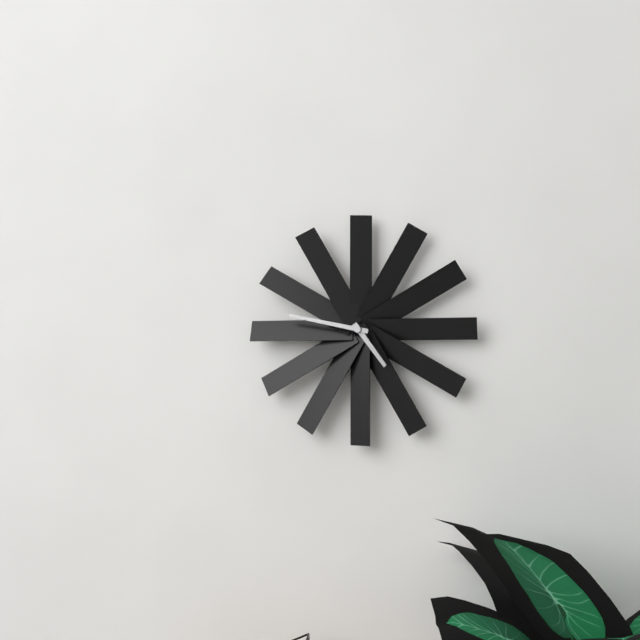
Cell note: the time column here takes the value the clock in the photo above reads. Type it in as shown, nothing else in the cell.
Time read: 4:47
